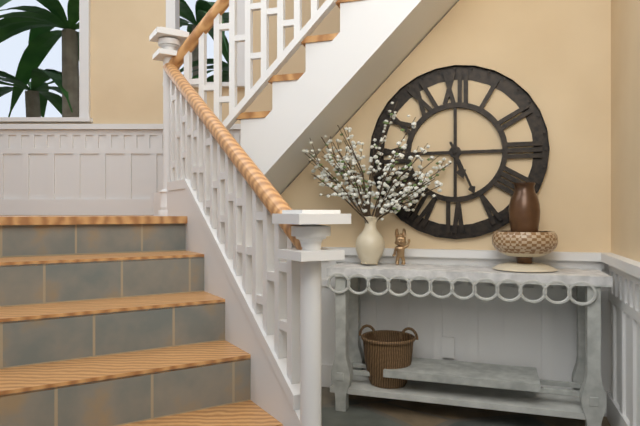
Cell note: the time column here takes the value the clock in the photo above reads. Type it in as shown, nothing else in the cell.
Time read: 5:26
